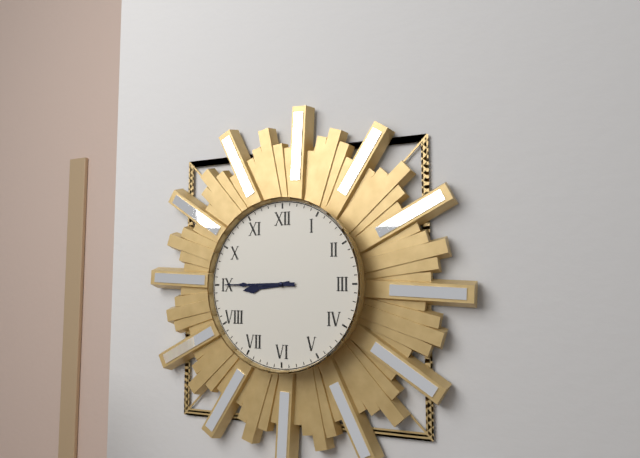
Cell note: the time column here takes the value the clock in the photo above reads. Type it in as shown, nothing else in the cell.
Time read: 8:45
